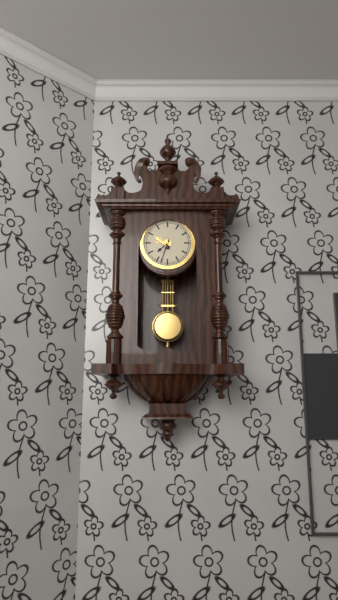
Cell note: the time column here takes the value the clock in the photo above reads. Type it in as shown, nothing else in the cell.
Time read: 7:33
